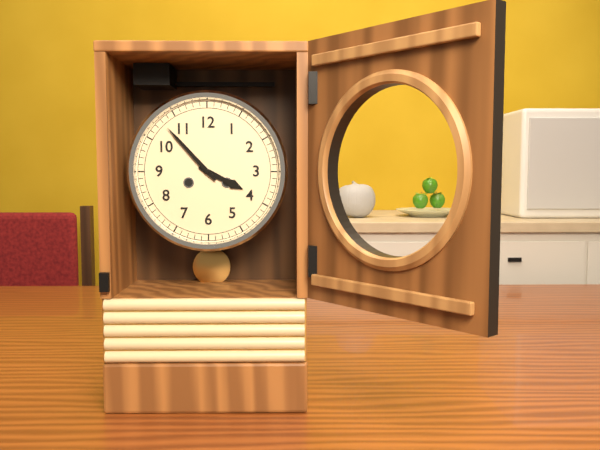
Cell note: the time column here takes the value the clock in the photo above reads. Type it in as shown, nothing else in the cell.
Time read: 3:53
